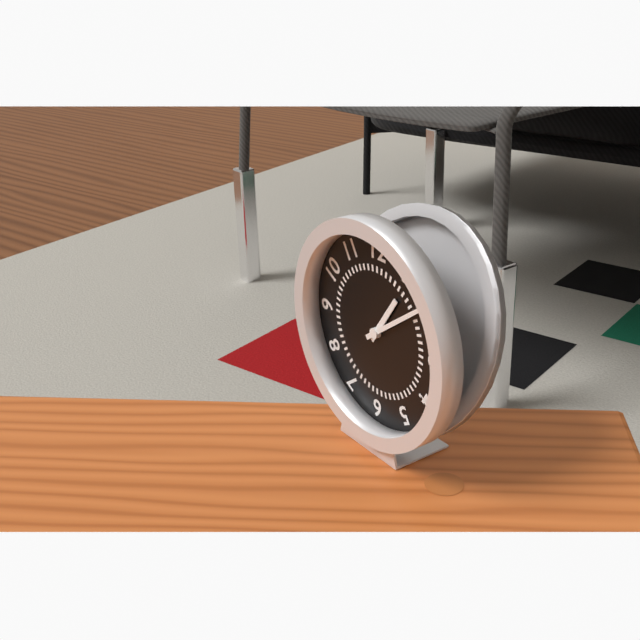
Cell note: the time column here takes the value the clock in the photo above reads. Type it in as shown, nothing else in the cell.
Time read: 1:09
